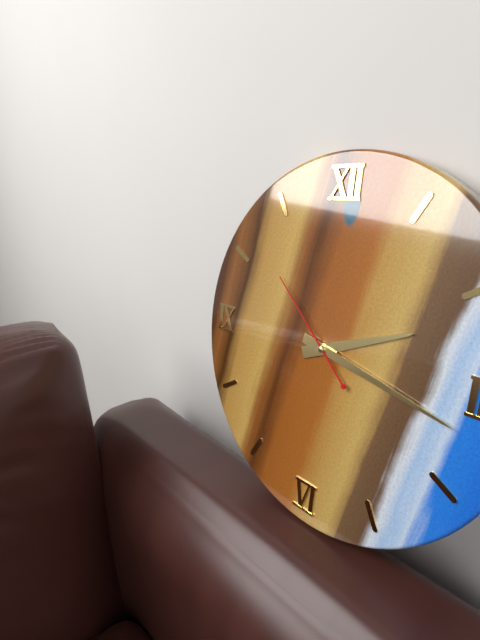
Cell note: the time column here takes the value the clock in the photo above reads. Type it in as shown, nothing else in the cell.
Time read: 2:17:52
